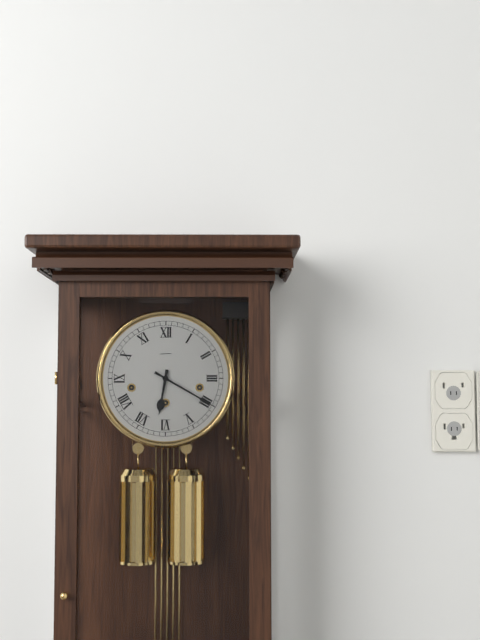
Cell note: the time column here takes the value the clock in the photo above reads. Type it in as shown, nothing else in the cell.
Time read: 6:20
